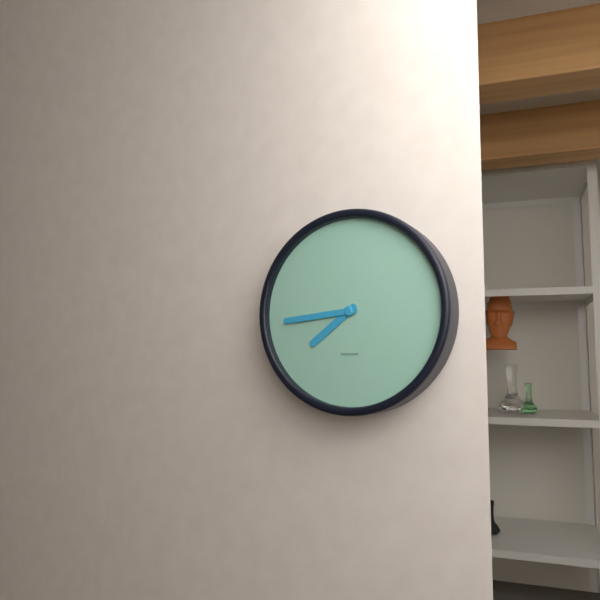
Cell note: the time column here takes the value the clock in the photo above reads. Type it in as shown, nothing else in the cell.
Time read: 7:44
